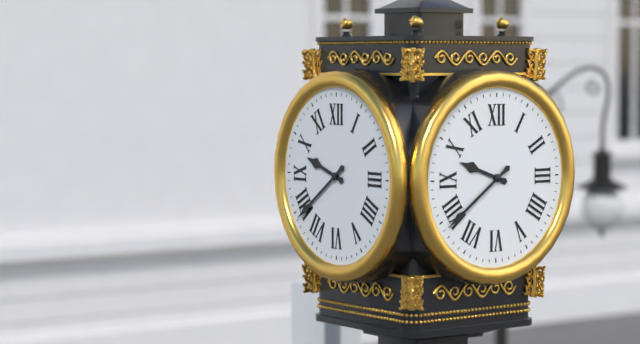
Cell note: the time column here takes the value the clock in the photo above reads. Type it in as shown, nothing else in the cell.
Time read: 9:39
